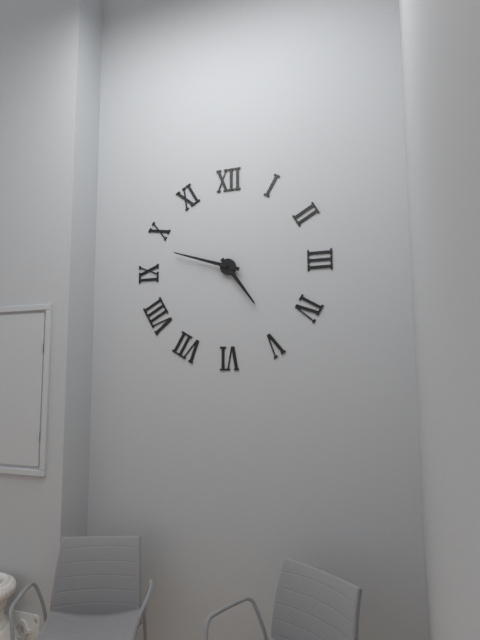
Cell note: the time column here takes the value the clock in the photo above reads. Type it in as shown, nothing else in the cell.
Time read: 4:48
